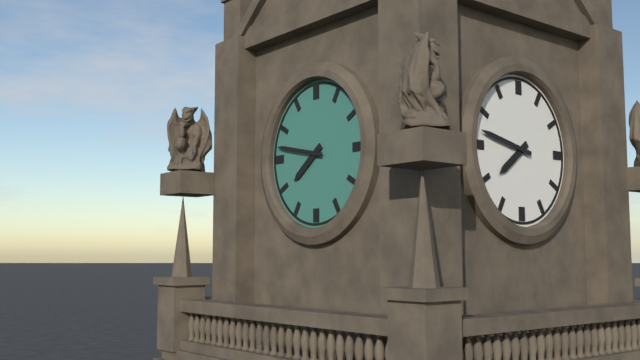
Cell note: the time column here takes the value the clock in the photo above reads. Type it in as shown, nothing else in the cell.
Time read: 7:47
